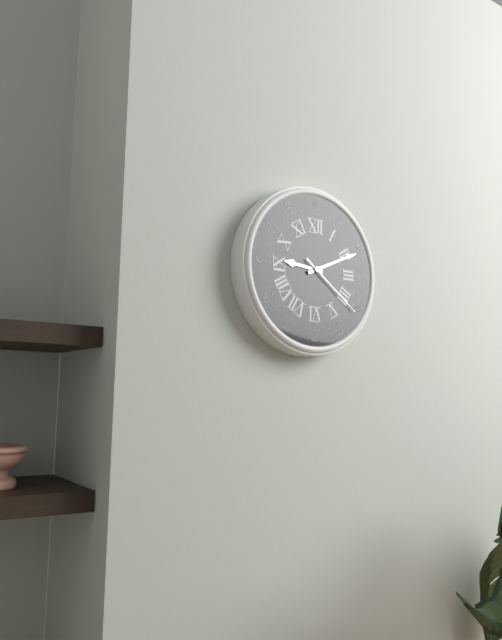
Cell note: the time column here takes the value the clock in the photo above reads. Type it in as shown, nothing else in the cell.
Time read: 9:11:21
